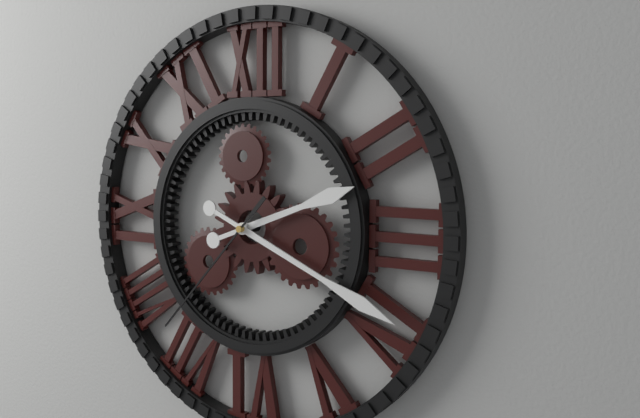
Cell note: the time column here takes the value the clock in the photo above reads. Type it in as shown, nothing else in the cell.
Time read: 2:19:37
